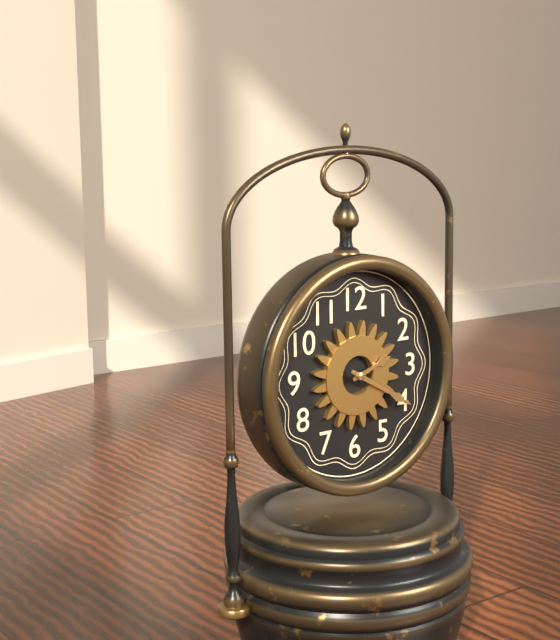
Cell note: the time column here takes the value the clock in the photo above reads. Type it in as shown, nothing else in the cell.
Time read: 2:20
